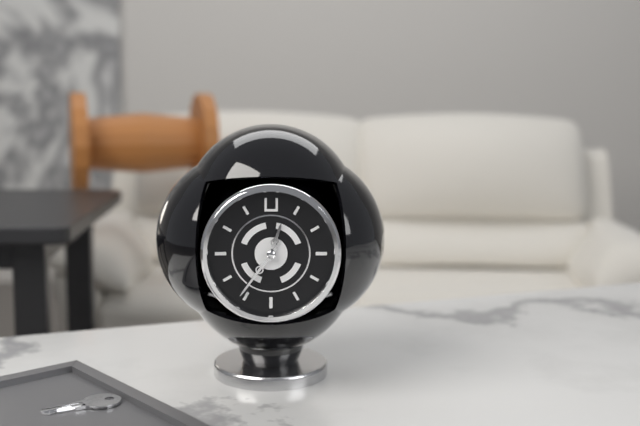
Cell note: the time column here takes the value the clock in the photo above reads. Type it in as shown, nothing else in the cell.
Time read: 12:36
